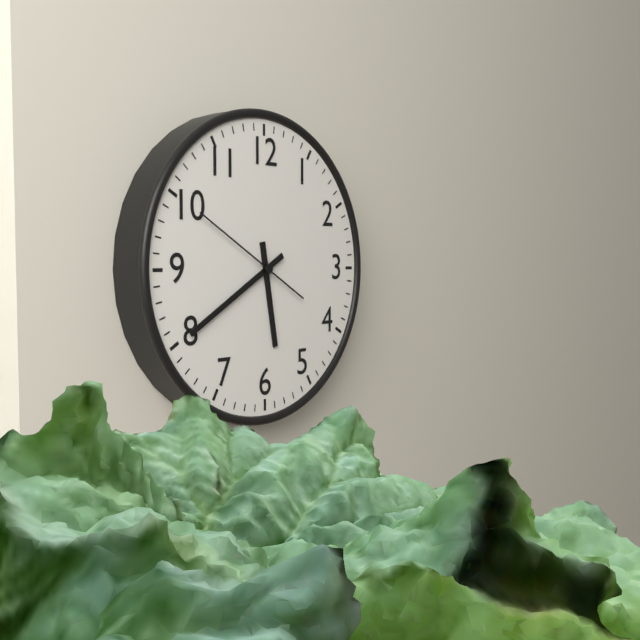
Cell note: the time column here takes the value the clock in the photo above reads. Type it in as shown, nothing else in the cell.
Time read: 5:40:50
